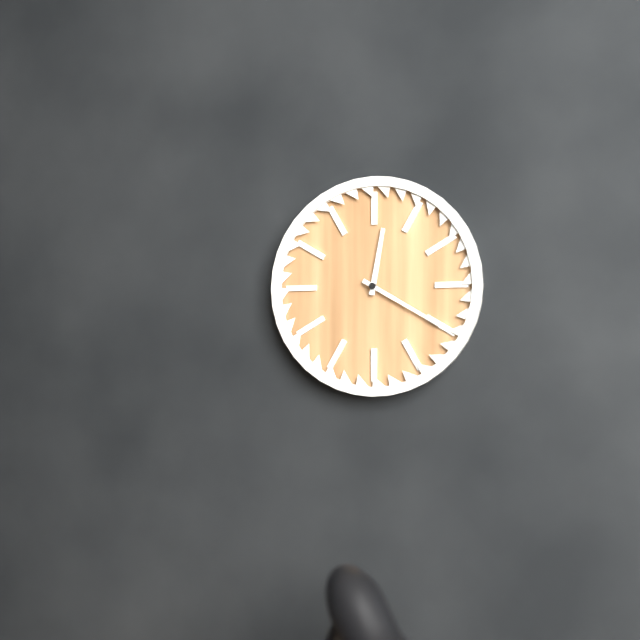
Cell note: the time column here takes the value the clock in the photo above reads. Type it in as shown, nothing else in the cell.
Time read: 12:20
